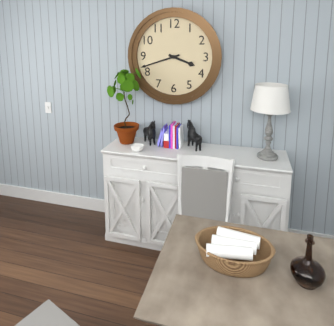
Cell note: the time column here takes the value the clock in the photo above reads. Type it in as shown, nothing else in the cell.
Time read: 3:42
